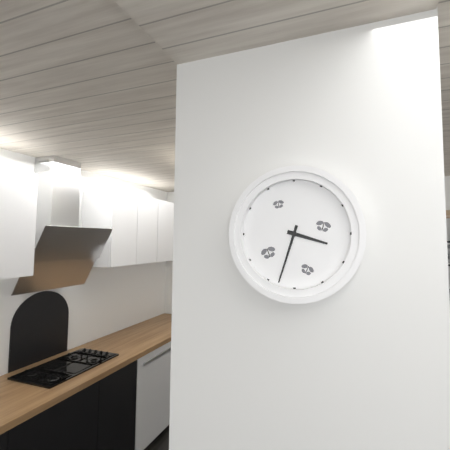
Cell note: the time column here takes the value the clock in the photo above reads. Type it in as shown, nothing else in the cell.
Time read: 3:33
